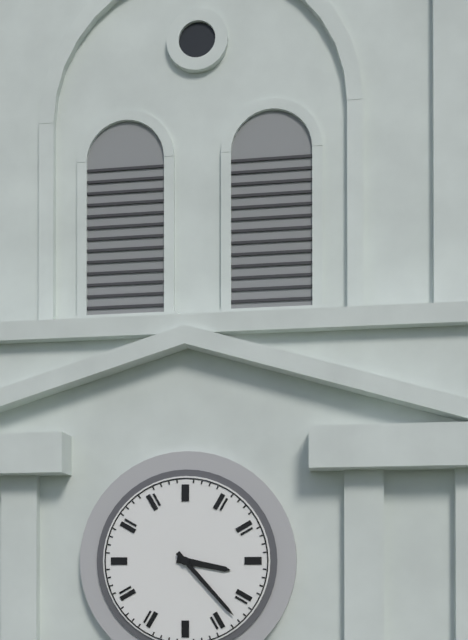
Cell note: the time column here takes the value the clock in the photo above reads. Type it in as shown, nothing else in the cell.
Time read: 3:23
